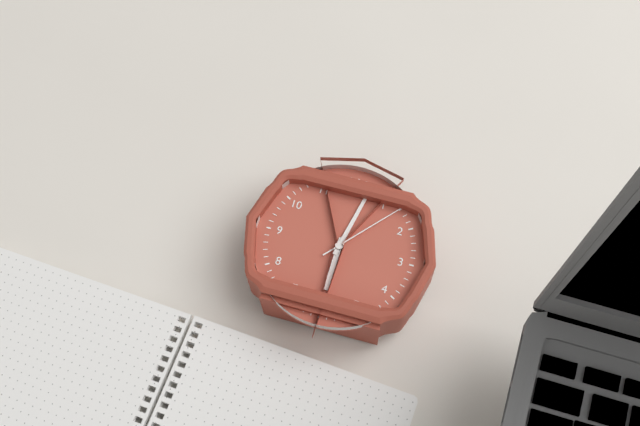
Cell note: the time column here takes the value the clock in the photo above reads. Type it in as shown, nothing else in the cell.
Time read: 6:02:07
